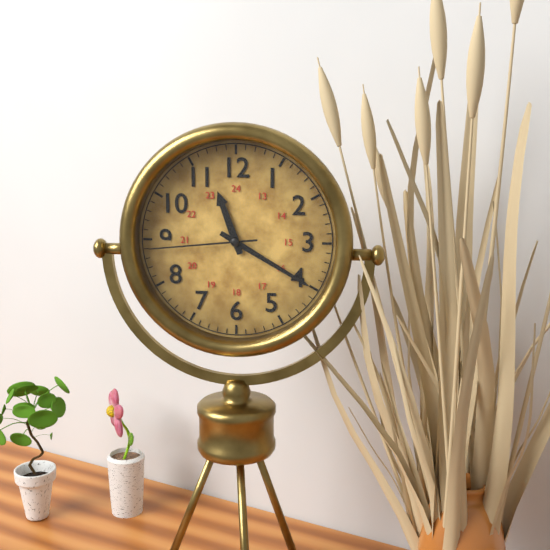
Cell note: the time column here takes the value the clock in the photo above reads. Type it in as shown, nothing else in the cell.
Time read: 11:20:44
